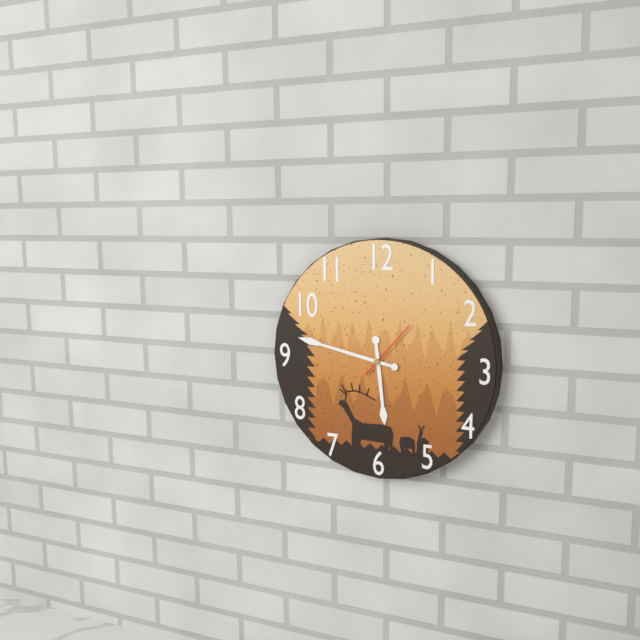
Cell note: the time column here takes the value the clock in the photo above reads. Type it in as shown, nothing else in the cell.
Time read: 5:47:07
